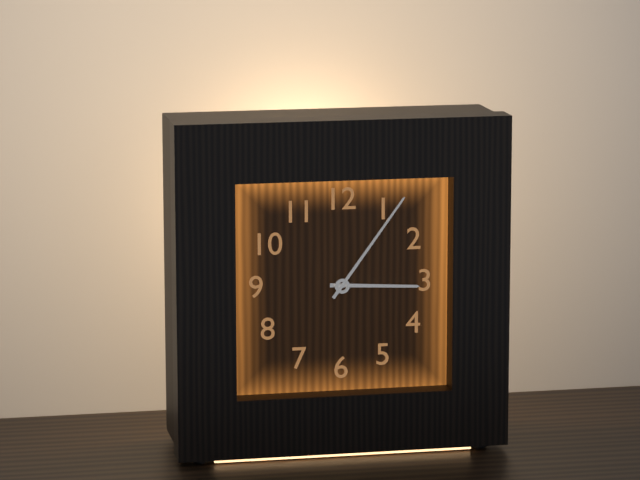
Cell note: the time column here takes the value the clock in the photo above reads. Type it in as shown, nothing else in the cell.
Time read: 3:06
